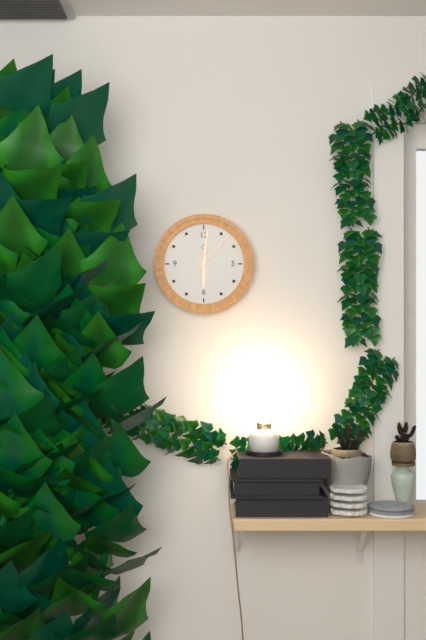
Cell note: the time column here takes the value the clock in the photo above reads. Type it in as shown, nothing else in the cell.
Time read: 6:01
